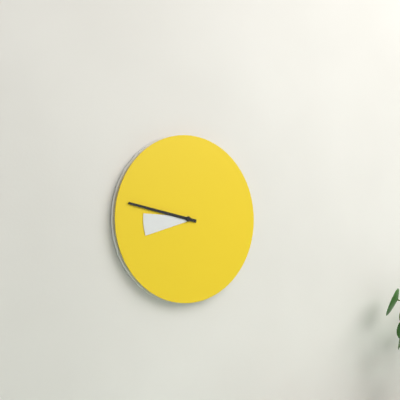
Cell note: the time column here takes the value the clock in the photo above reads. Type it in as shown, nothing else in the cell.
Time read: 8:47
